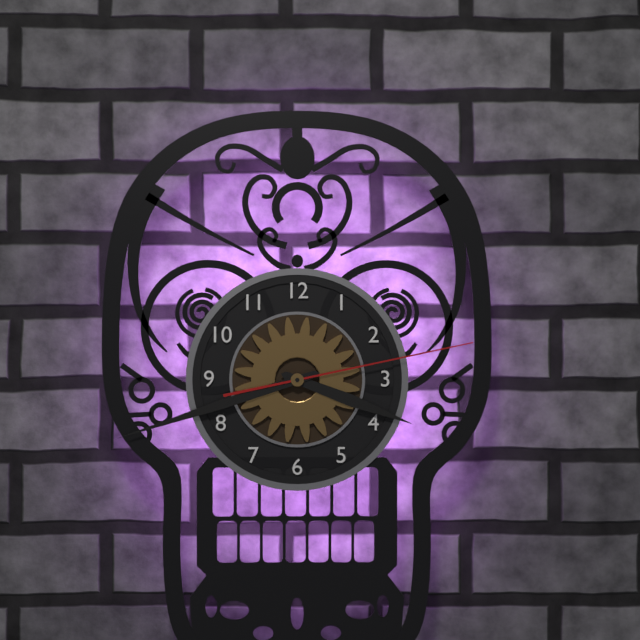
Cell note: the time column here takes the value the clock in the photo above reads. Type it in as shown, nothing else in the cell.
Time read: 3:42:13
